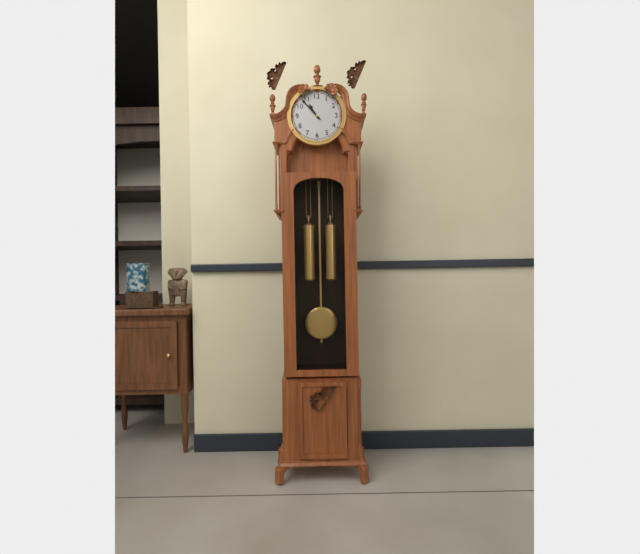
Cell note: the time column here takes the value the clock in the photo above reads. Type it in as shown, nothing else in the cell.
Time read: 10:53
